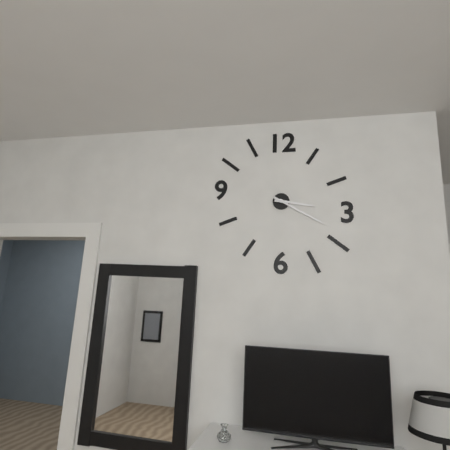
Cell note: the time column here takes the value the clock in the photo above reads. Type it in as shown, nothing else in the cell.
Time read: 3:20
